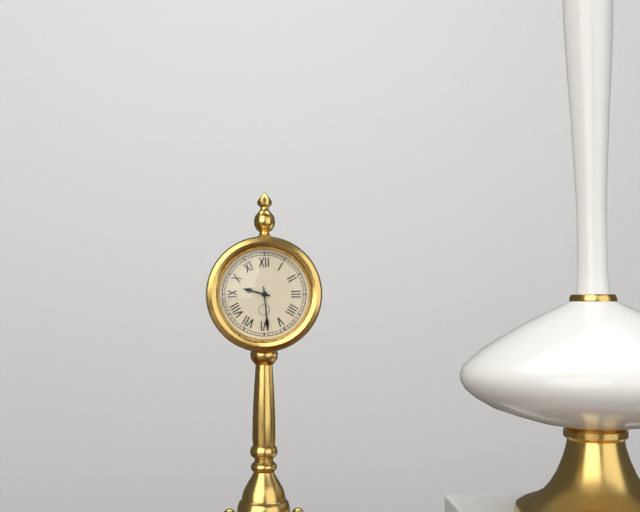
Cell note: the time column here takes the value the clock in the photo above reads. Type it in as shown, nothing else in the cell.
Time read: 9:29
